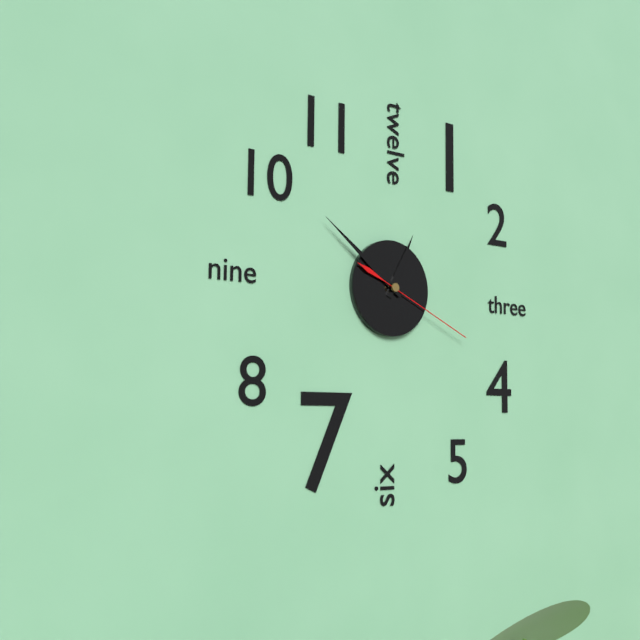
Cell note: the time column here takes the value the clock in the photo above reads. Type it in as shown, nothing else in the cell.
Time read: 12:51:19
